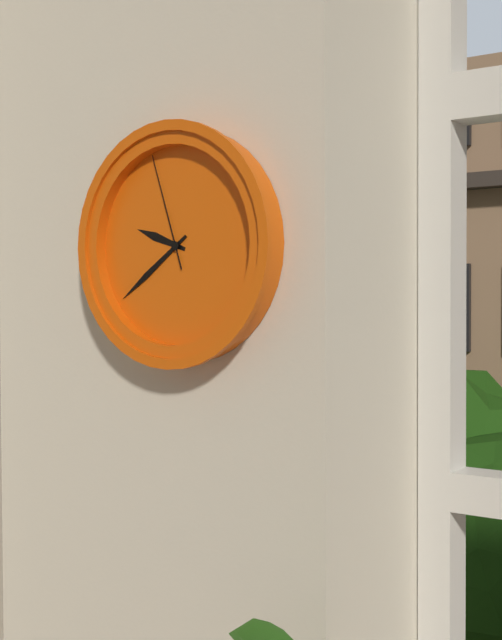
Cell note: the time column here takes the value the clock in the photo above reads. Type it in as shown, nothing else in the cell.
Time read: 9:39:57
